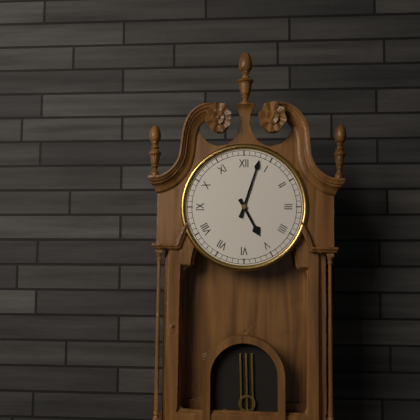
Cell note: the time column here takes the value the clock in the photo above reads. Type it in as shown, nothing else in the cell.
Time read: 5:03
